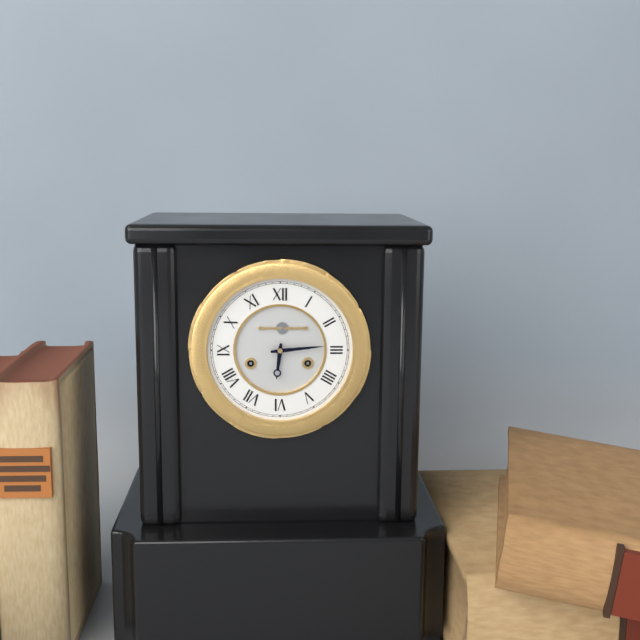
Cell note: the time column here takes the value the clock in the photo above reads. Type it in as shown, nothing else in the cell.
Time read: 6:14
